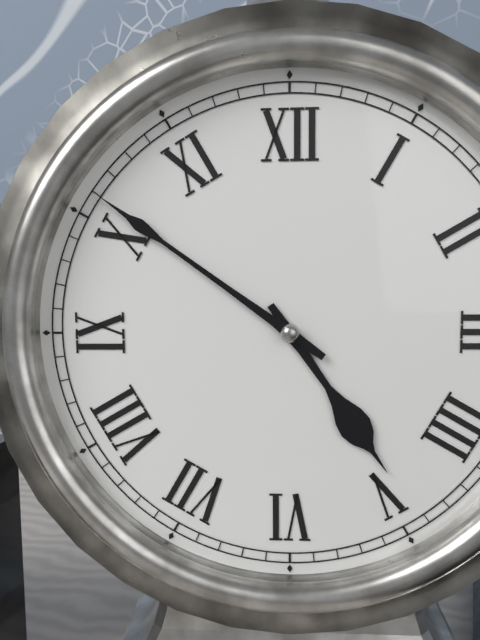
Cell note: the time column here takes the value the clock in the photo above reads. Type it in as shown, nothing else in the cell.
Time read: 4:51
